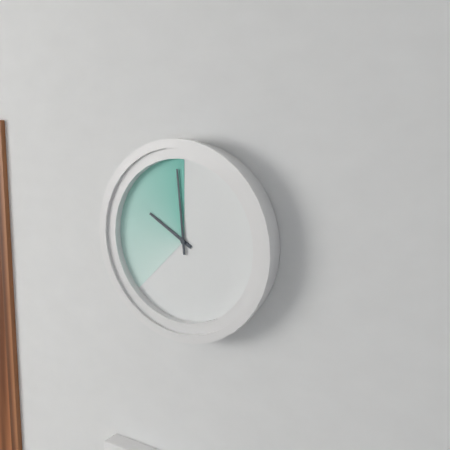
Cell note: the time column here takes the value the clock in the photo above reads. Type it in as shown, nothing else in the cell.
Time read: 9:59
